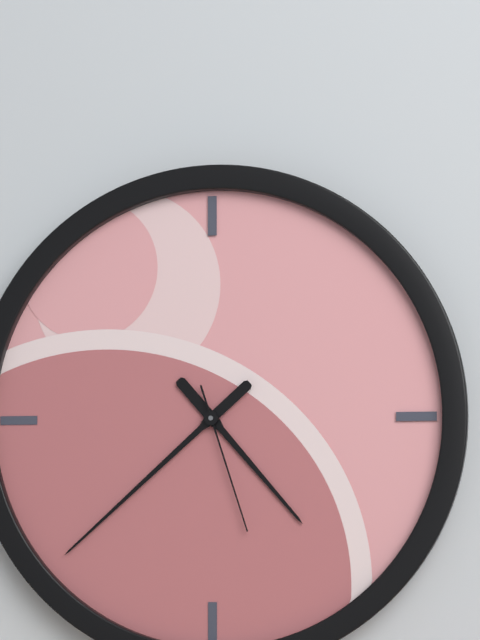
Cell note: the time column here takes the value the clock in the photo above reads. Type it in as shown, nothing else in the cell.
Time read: 4:38:27
